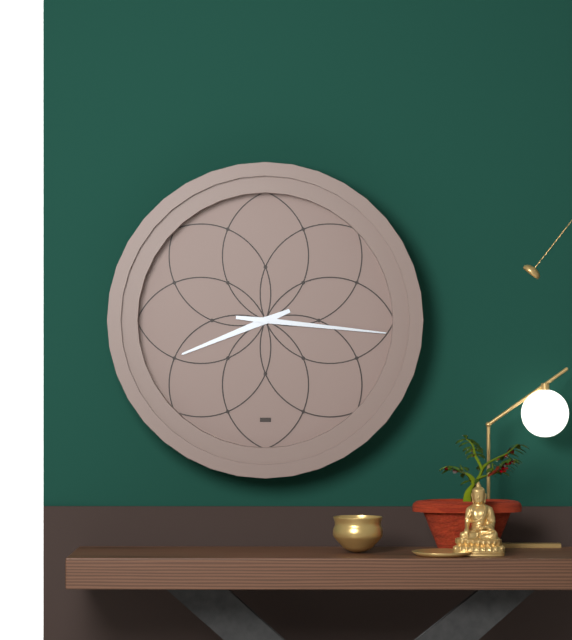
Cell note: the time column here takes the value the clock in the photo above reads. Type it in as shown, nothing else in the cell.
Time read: 8:16
